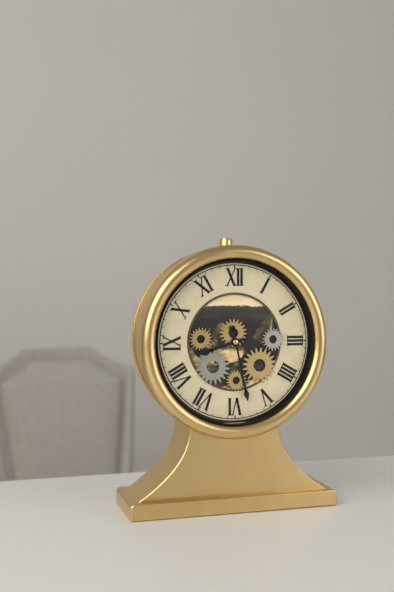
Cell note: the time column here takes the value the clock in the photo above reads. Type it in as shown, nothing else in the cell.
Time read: 8:28
